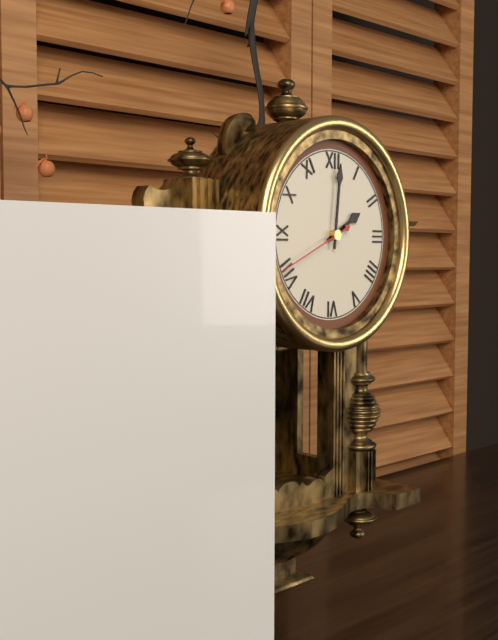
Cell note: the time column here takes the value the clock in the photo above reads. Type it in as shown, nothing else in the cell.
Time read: 2:01:41
